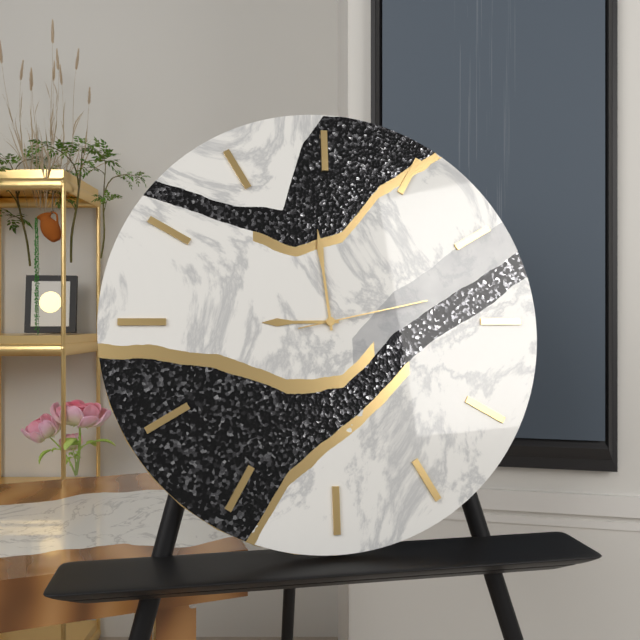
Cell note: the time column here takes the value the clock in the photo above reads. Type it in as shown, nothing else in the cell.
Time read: 8:59:13
